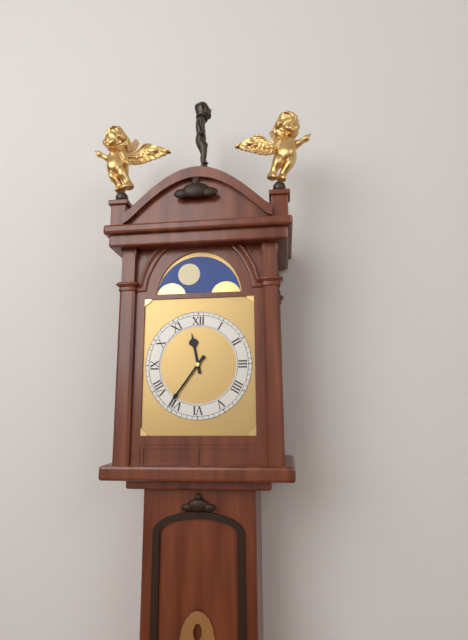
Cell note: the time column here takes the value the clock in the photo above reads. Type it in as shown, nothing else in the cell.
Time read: 11:36
